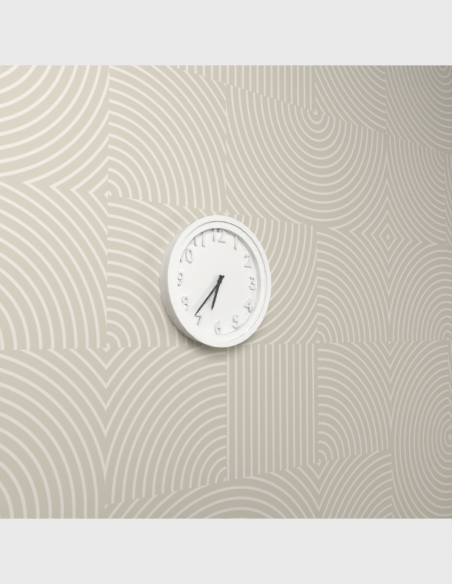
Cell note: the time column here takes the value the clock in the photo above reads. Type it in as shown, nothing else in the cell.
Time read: 6:37
